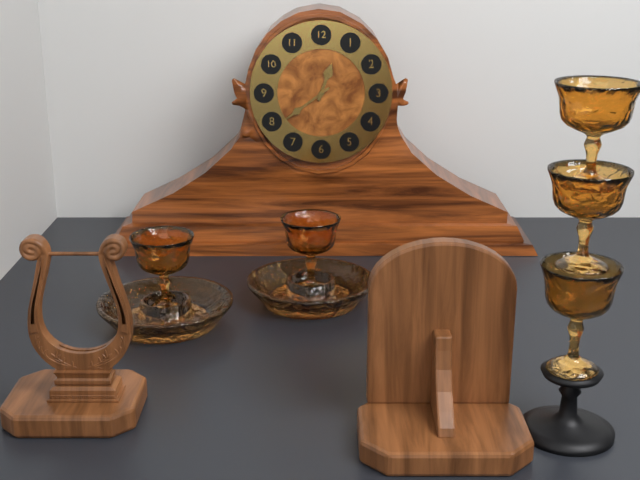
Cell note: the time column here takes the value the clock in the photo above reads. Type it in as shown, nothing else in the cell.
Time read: 12:39
